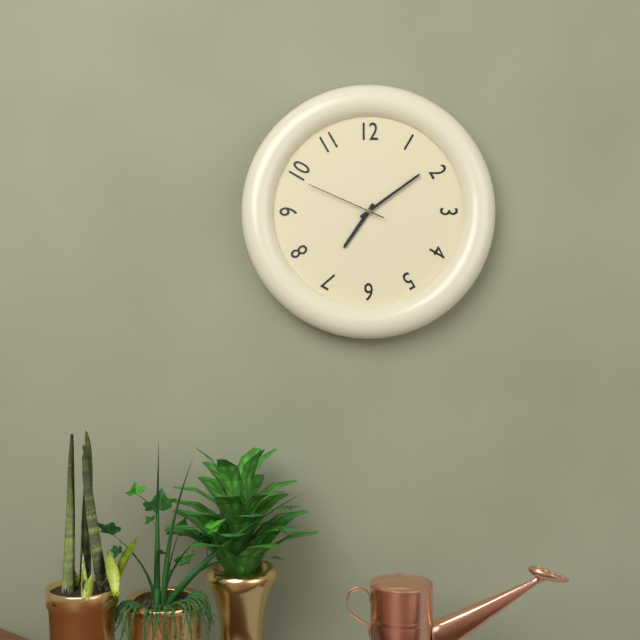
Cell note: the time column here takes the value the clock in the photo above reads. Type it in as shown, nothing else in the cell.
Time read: 7:09:49
